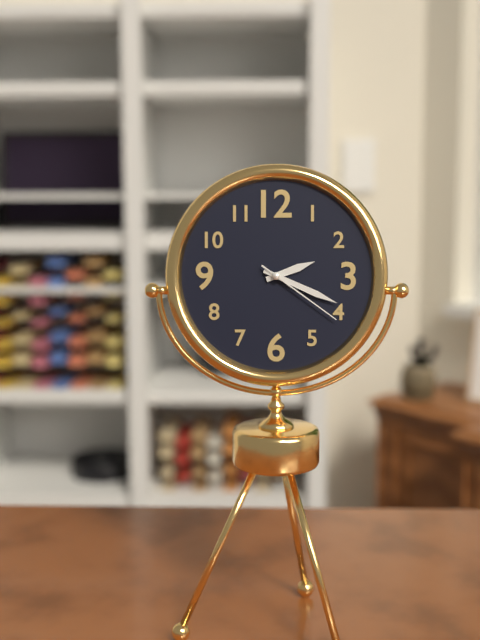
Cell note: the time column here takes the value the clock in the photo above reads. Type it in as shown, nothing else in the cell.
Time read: 2:19:21
